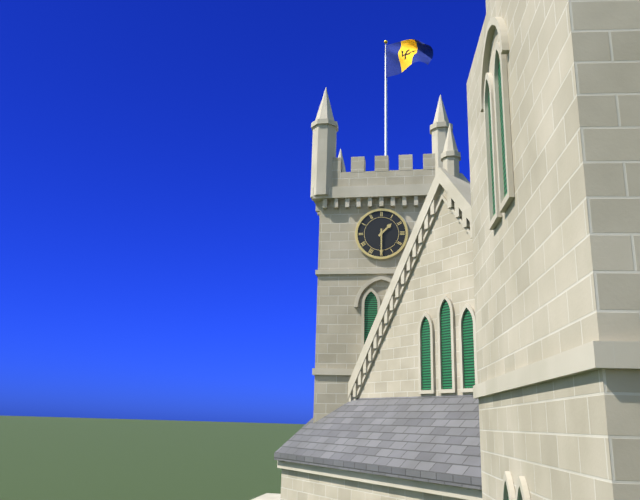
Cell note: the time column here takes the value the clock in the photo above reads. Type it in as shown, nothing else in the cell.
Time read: 1:30
